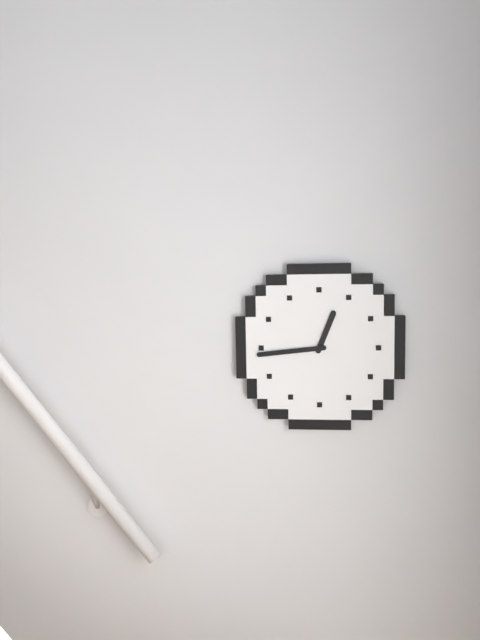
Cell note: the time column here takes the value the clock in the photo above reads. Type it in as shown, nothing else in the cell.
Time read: 12:44
